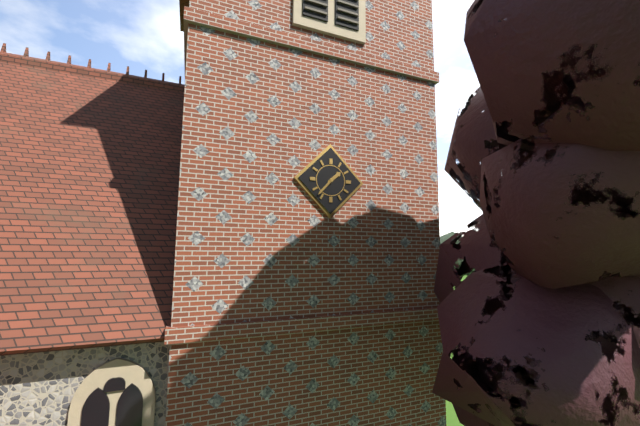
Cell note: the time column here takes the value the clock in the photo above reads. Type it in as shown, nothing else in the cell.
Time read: 1:37
